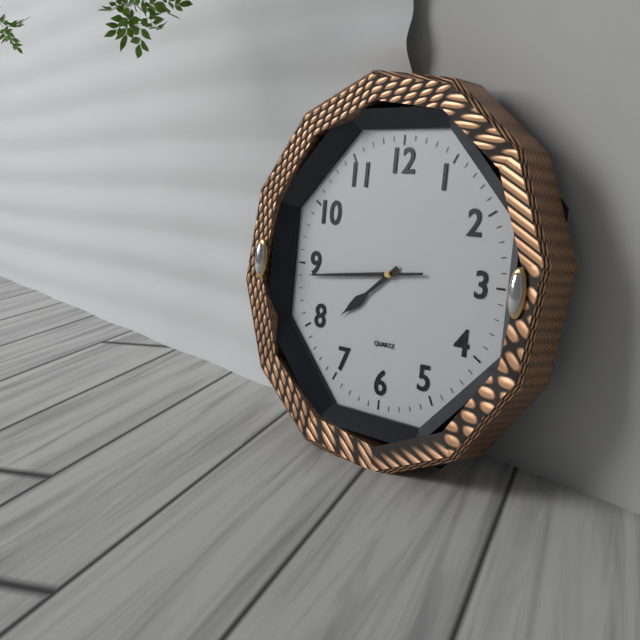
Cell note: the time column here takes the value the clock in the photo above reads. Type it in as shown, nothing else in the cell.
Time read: 7:44
